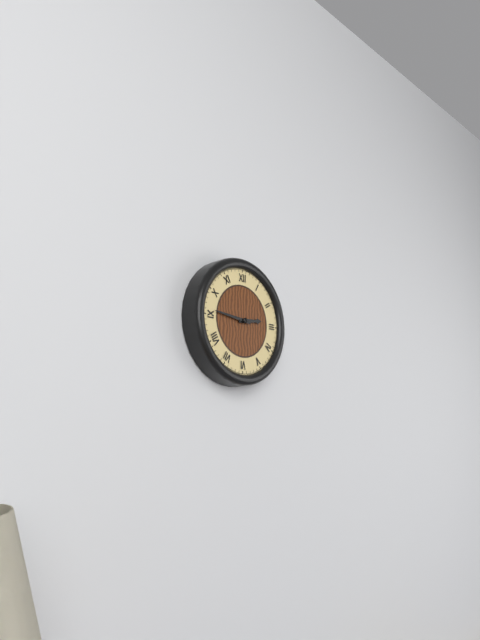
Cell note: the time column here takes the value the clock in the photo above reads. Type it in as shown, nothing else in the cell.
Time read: 2:46
